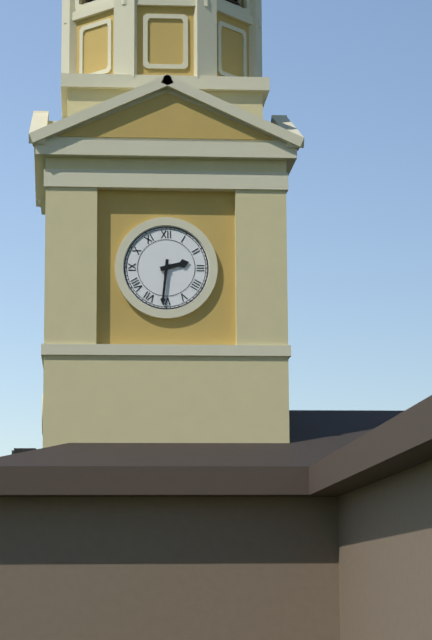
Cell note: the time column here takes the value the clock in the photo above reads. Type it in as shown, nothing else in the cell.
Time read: 2:31
